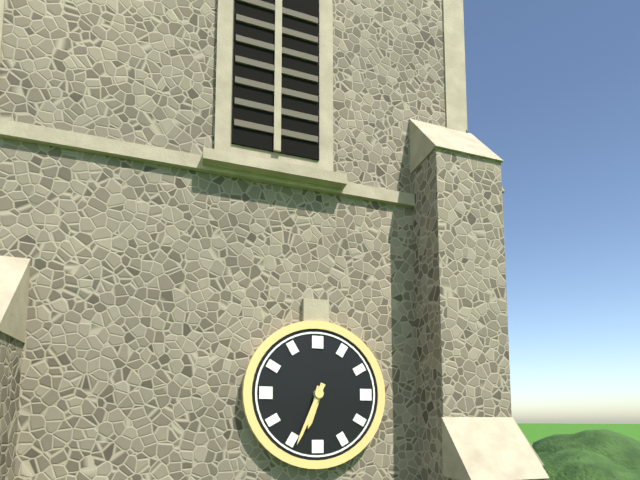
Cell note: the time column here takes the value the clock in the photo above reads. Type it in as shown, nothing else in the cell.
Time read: 6:34
